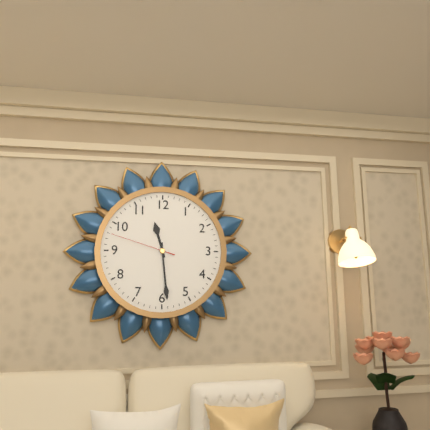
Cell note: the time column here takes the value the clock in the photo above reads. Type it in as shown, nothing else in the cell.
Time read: 11:29:48
